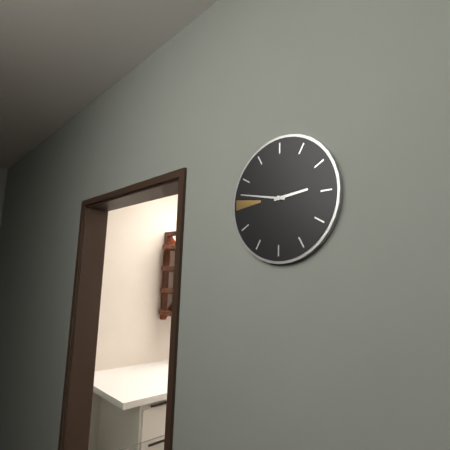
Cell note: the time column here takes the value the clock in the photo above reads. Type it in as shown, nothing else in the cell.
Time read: 2:47
